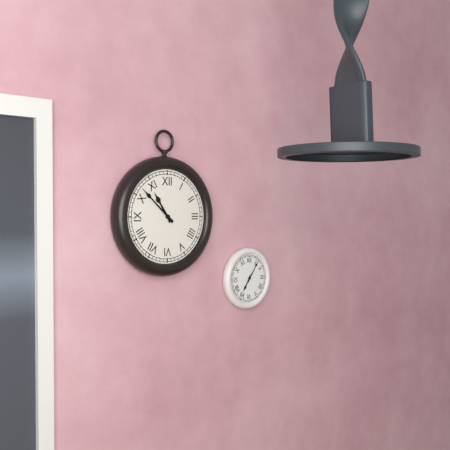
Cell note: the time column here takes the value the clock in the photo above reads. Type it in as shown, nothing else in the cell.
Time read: 10:52
